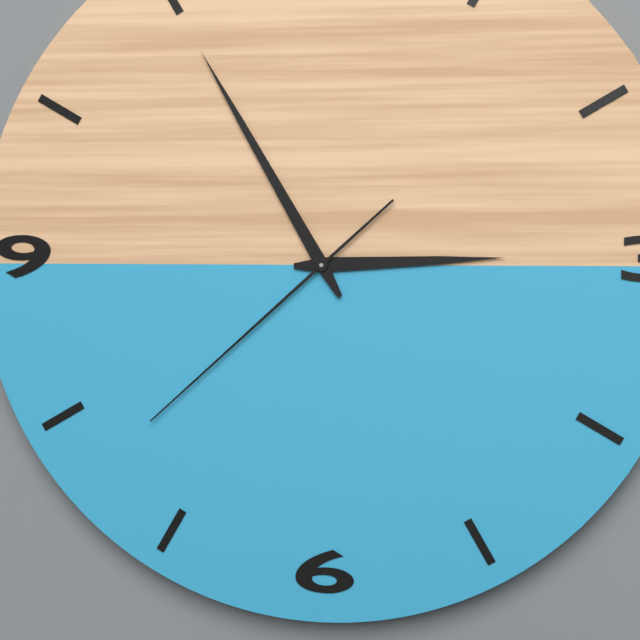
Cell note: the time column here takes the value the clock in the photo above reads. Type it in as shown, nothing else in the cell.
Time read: 2:55:38
